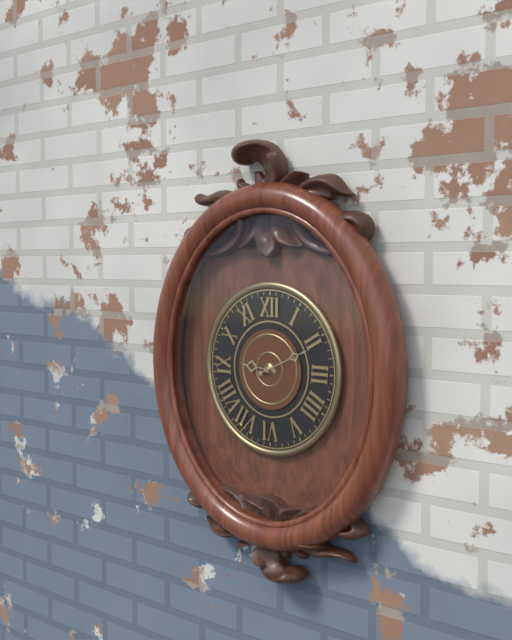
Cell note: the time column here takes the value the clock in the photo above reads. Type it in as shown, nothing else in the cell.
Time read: 9:11
